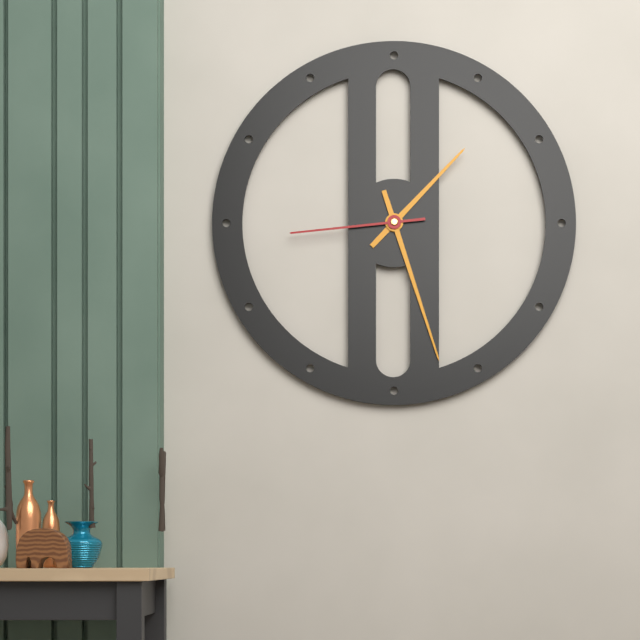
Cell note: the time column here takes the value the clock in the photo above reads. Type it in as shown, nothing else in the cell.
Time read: 1:27:44
